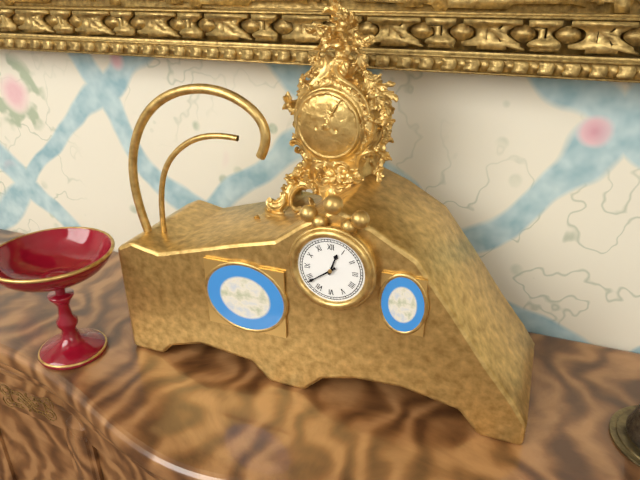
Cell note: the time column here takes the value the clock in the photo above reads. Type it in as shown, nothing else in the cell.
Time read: 12:39
